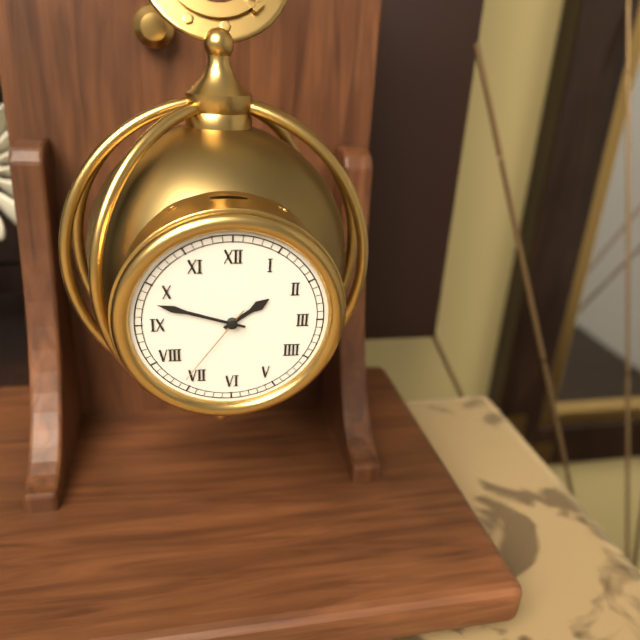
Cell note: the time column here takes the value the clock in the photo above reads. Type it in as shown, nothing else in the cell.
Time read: 1:48:36
